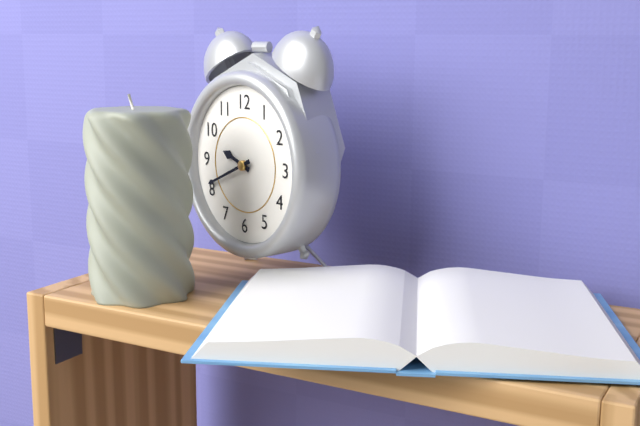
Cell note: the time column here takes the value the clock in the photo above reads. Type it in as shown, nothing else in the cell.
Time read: 9:41
